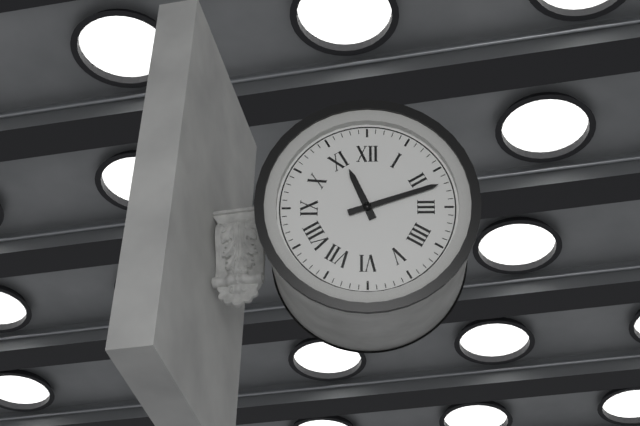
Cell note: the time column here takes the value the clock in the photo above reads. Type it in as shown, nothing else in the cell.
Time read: 11:12
